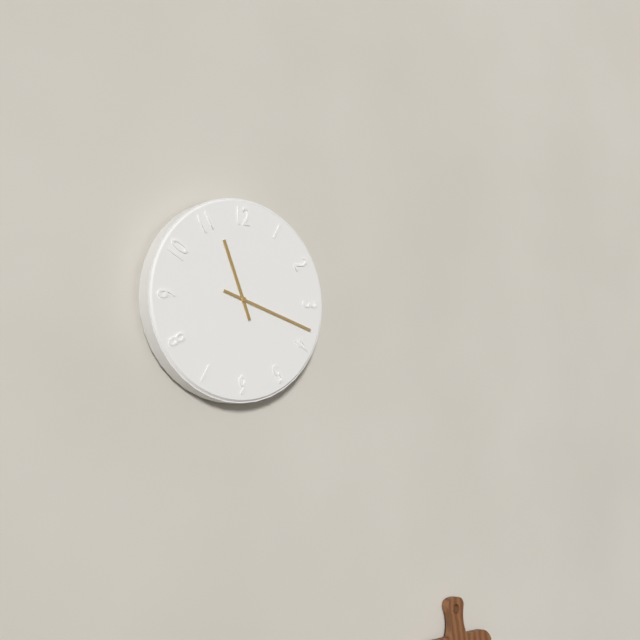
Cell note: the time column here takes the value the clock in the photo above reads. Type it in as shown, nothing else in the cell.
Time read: 11:18
